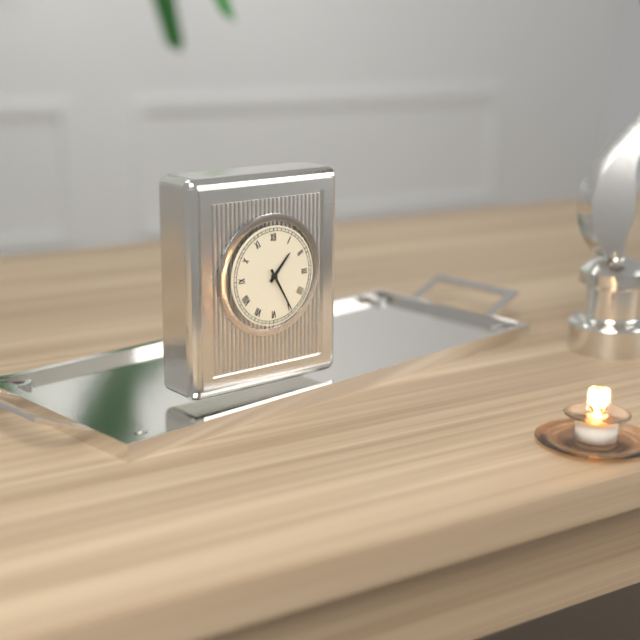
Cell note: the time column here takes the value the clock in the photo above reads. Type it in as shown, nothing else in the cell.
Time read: 1:25
